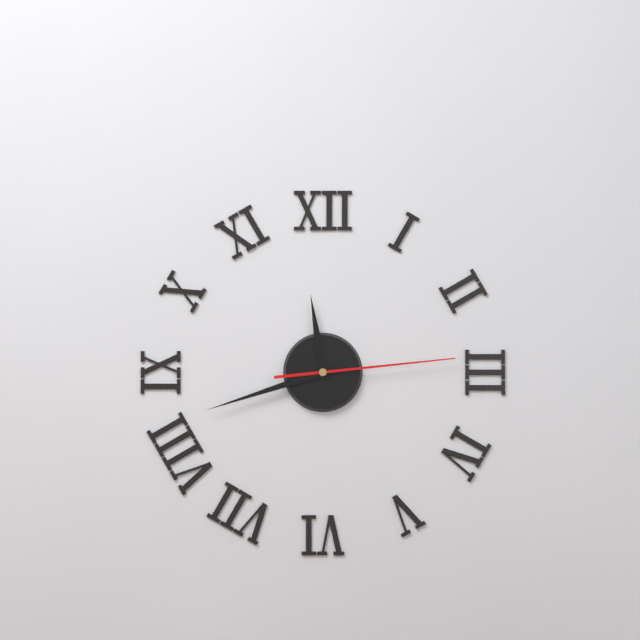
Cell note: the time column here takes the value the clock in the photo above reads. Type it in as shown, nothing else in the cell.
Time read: 11:42:14
